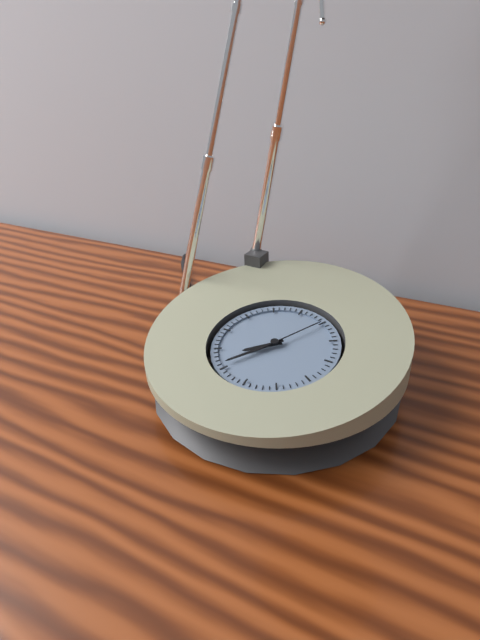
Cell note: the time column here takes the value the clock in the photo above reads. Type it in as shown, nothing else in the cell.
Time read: 7:36:05
